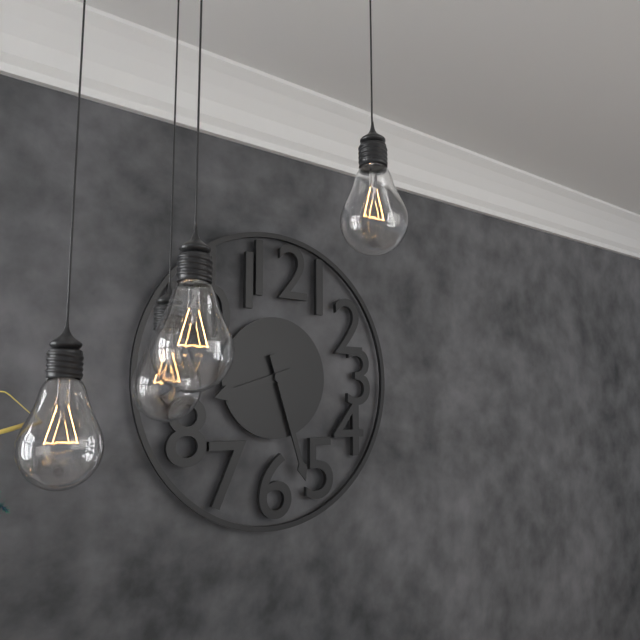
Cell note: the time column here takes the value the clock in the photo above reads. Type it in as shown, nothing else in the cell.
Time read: 8:27
